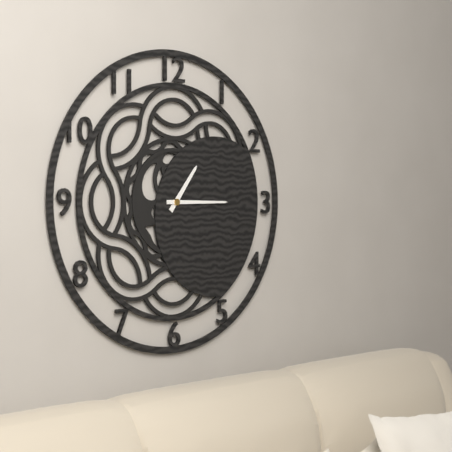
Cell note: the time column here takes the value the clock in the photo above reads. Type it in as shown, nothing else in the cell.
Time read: 1:15
